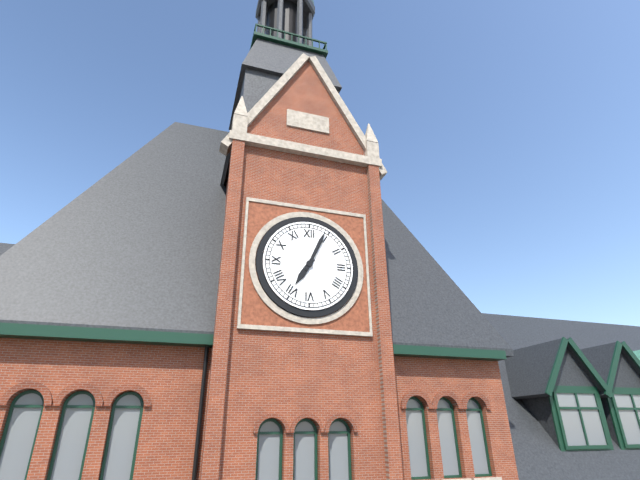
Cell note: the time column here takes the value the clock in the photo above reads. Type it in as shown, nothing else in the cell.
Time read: 7:04
